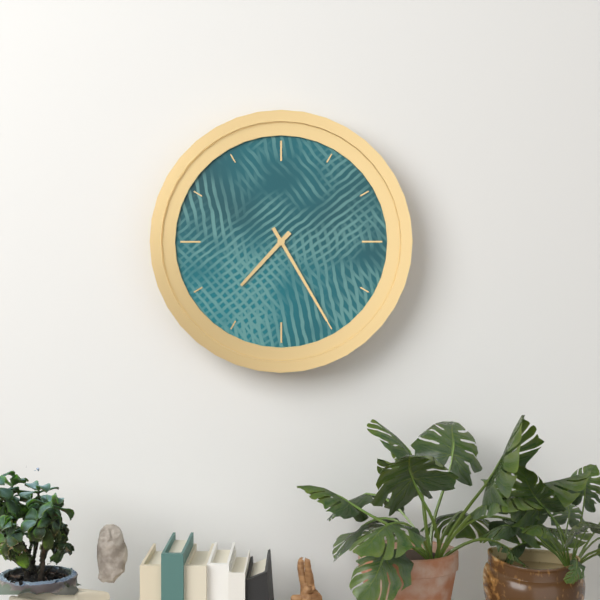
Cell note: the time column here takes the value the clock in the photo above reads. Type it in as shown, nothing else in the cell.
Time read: 7:25
